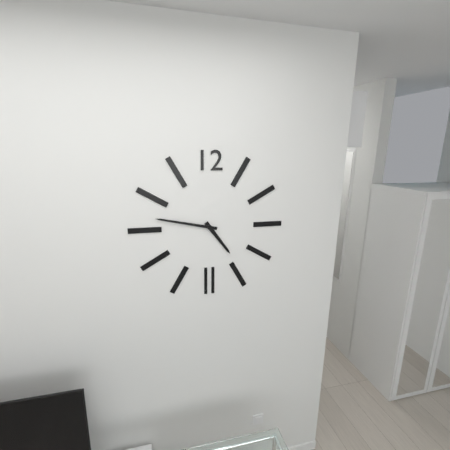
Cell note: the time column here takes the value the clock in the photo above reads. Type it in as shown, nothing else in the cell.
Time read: 4:47
